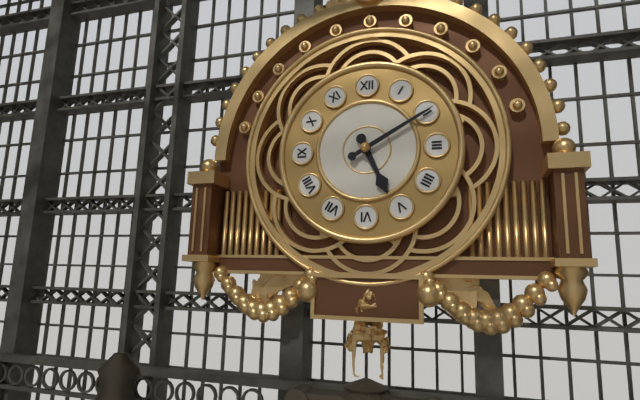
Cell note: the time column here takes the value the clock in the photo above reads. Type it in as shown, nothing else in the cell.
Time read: 5:10
